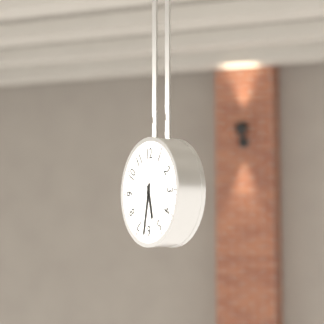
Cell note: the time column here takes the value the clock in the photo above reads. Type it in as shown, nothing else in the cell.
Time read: 5:32
